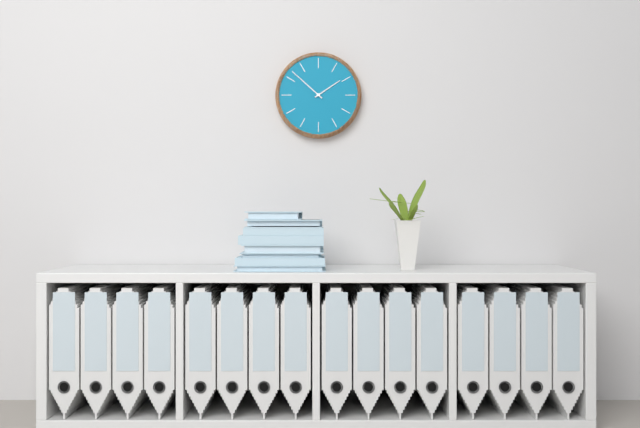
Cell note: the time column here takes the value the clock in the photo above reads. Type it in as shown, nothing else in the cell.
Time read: 1:52
